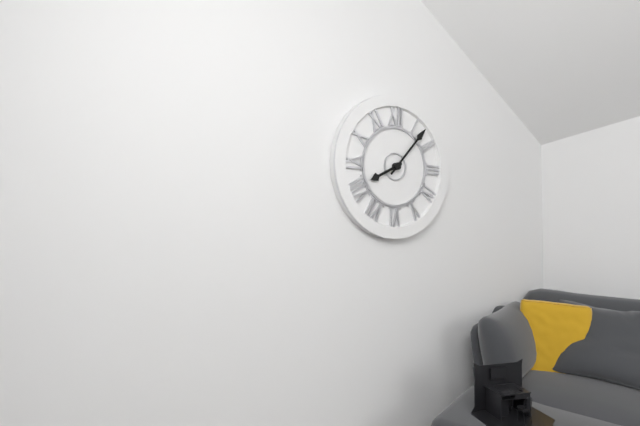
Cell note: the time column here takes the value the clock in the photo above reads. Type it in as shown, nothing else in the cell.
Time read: 8:07
